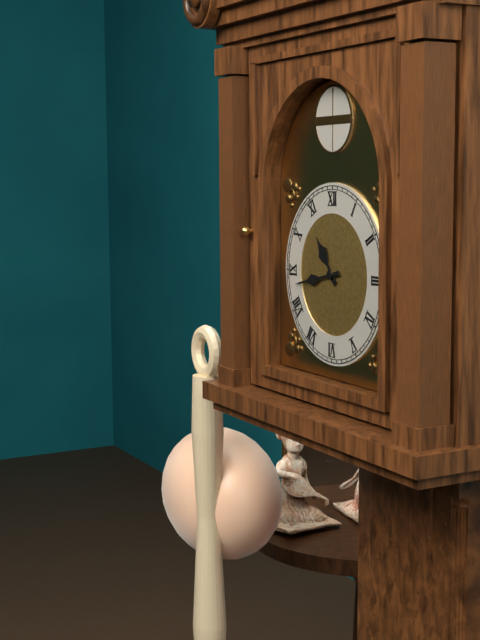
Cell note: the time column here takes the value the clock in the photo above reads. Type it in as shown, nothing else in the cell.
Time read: 10:43
